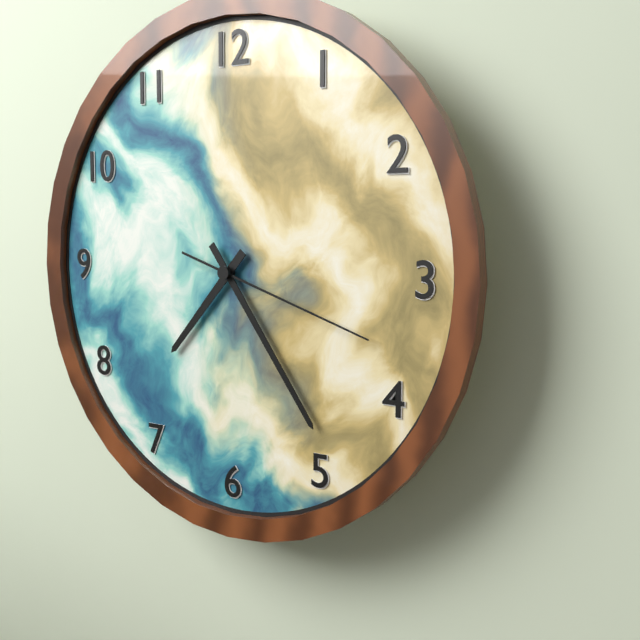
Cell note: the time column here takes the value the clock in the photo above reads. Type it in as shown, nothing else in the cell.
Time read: 7:24:18
